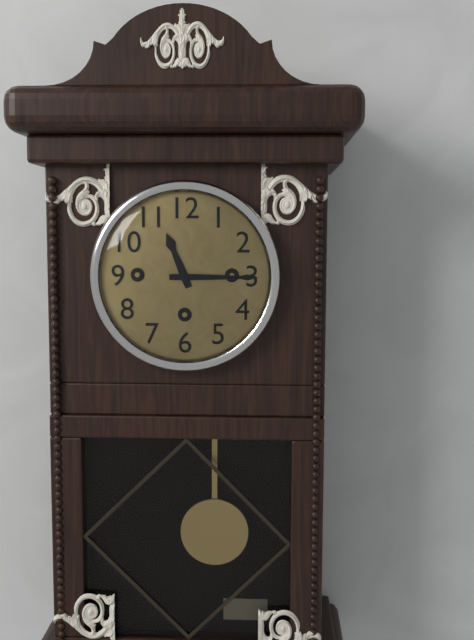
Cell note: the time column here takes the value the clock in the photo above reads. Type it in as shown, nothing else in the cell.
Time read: 11:15
